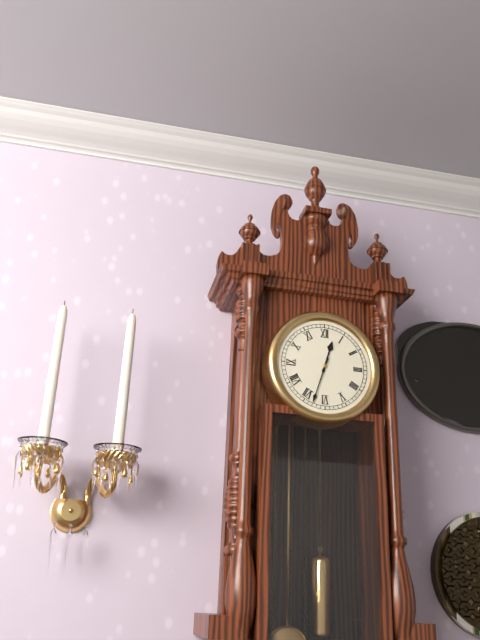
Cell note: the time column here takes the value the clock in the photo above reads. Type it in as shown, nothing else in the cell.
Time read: 12:33
